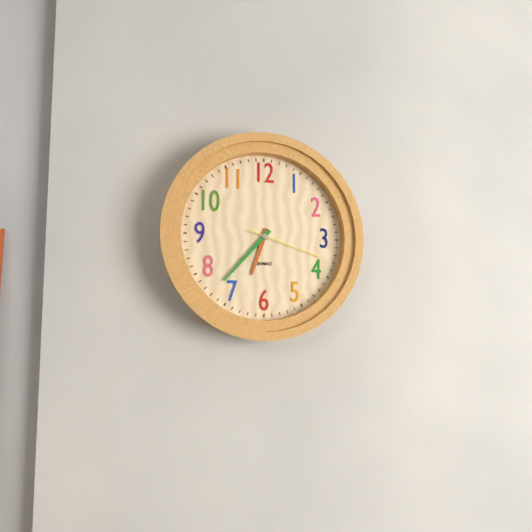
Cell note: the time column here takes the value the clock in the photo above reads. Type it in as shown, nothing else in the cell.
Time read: 6:37:18
